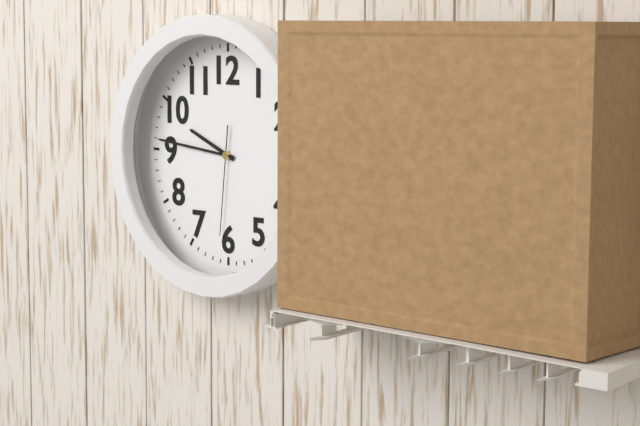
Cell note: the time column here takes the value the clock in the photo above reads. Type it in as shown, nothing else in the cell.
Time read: 9:46:31
